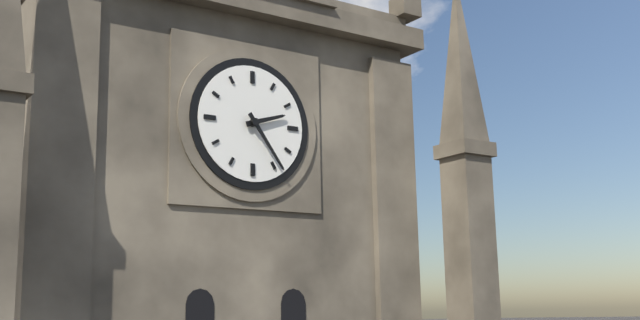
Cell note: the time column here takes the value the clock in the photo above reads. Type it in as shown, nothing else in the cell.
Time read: 2:24
